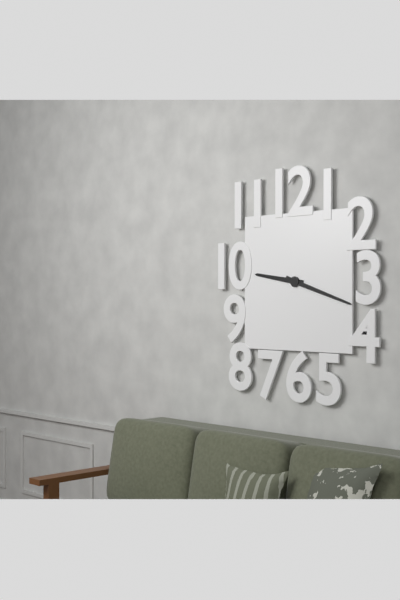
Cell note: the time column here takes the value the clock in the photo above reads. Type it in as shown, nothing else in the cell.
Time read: 9:18
